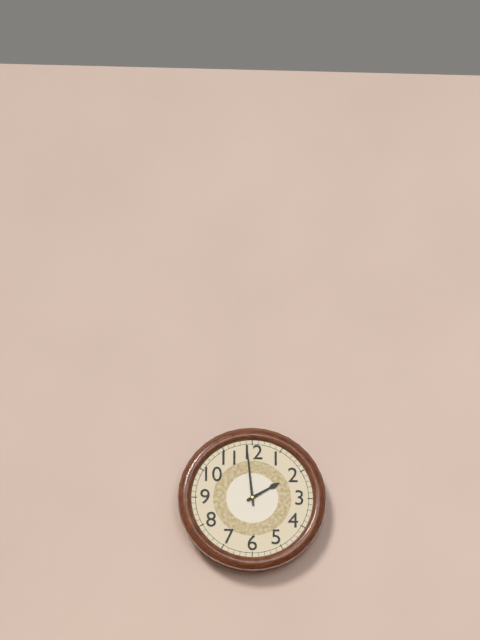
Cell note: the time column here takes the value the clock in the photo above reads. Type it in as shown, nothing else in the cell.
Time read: 1:59
